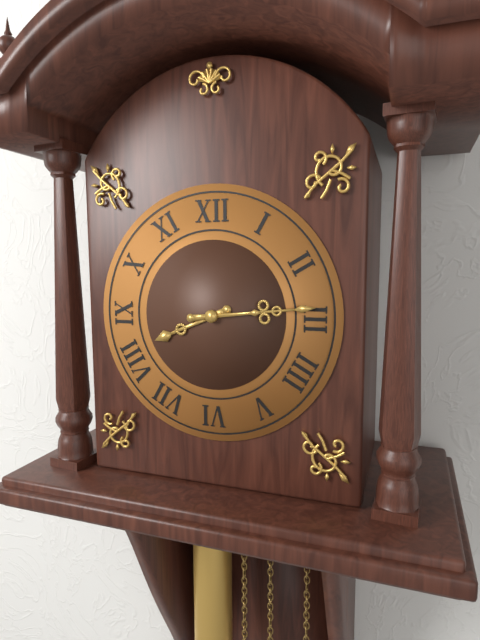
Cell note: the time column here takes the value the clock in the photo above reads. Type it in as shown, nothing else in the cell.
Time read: 8:14
